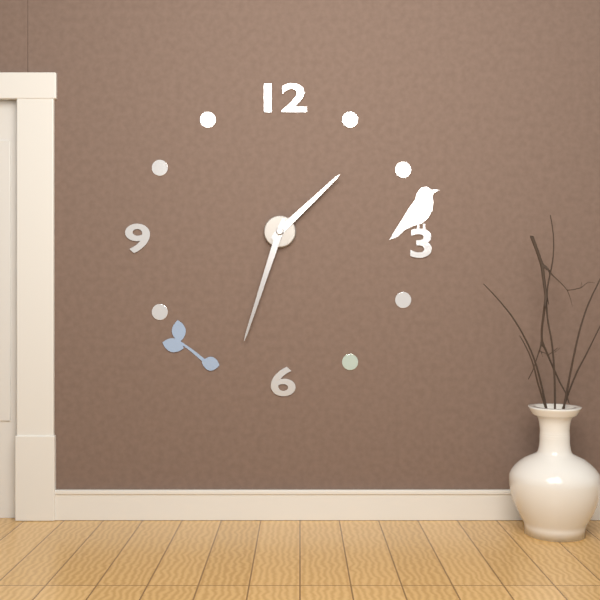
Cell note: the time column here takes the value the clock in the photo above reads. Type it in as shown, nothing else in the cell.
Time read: 1:33
